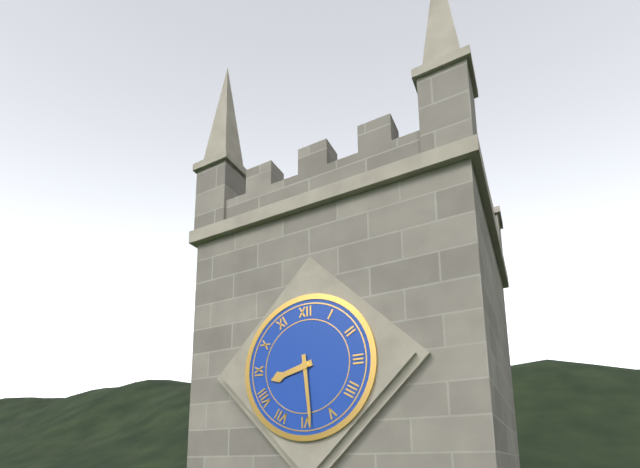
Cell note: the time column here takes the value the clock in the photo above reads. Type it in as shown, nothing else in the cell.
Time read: 8:29
